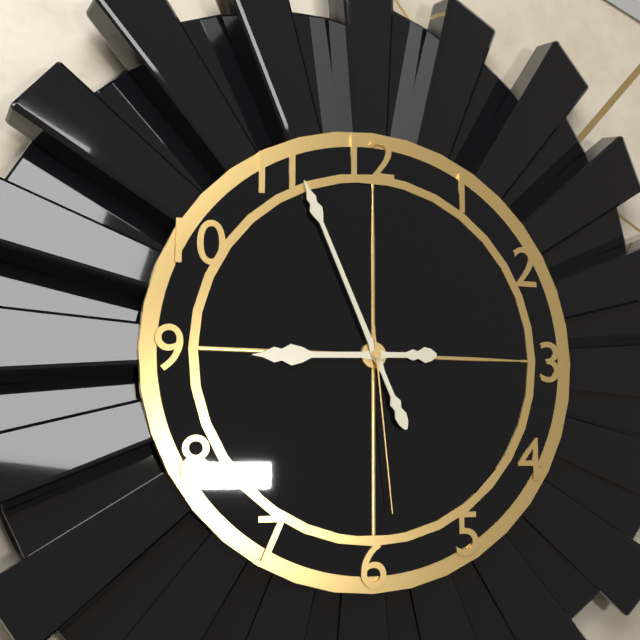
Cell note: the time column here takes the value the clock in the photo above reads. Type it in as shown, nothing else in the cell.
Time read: 8:56:29
